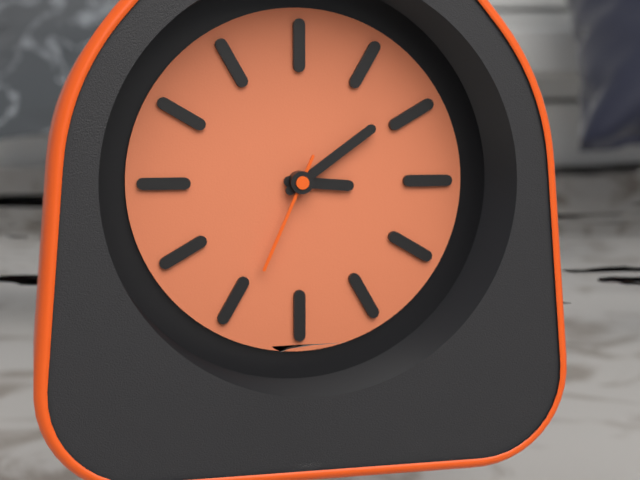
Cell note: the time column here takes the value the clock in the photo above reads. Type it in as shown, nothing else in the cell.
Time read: 3:09:34
